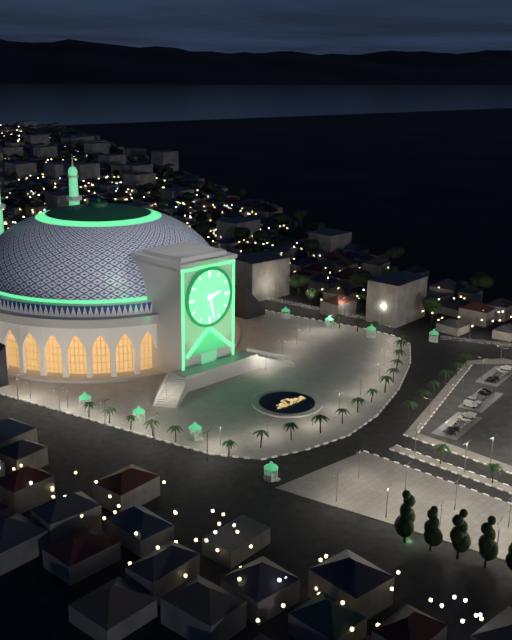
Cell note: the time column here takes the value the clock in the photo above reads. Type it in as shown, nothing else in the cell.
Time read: 2:28
